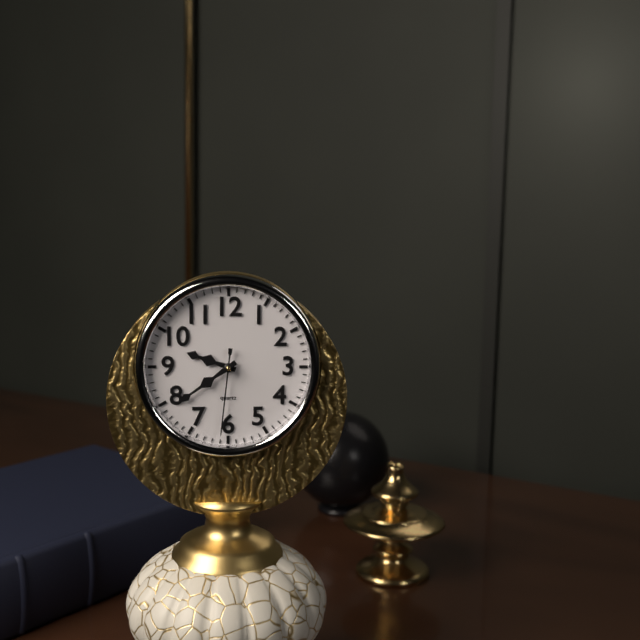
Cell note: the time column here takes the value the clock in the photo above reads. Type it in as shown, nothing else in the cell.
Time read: 9:39:31
